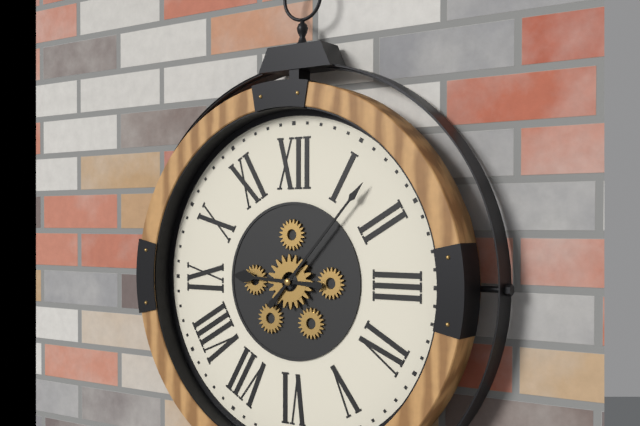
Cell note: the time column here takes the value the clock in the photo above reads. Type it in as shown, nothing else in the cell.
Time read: 9:07
